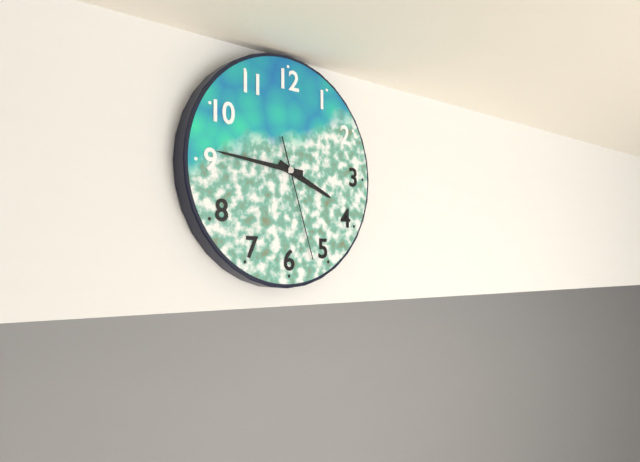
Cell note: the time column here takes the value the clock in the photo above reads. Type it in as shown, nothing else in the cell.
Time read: 3:46:27
